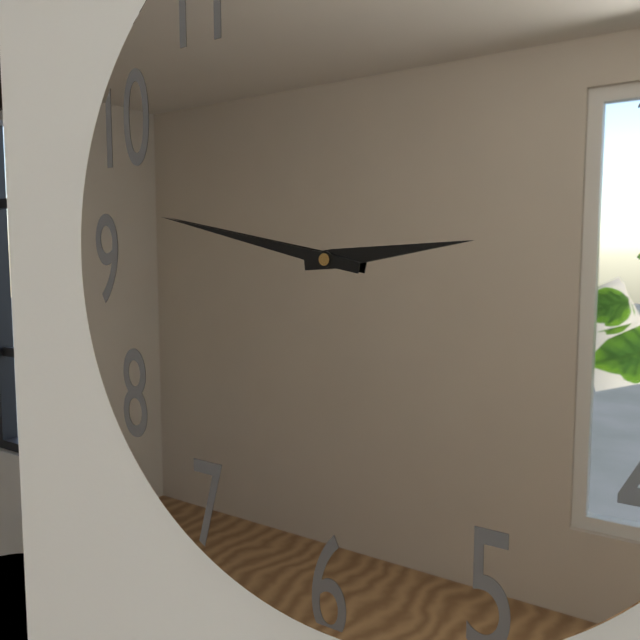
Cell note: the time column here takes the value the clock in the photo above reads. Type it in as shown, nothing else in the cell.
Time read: 2:47
